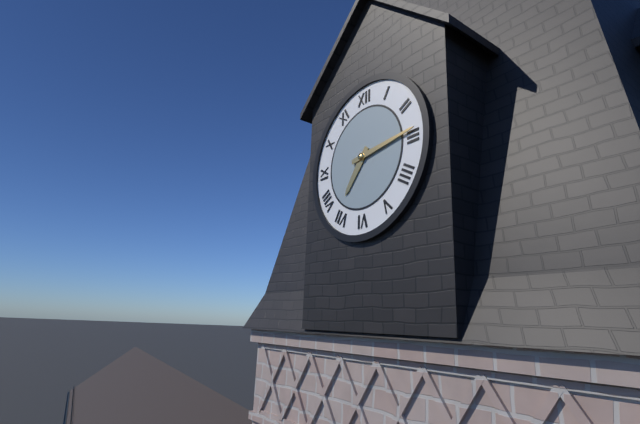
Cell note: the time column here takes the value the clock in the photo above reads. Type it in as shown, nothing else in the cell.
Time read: 7:14
